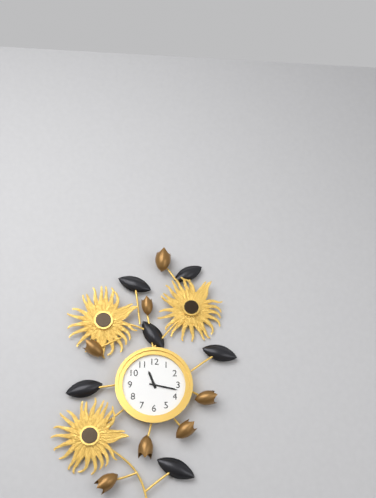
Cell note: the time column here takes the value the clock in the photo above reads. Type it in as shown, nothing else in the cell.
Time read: 11:17
